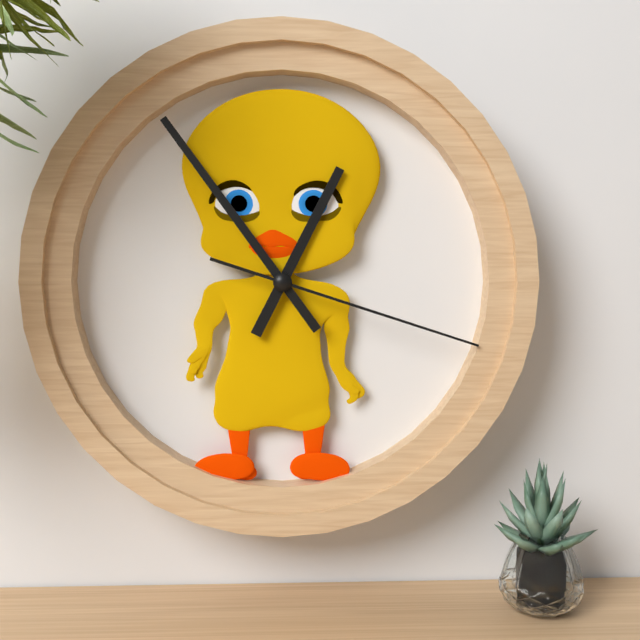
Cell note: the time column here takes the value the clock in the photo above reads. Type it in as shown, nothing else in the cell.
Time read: 12:54:18
